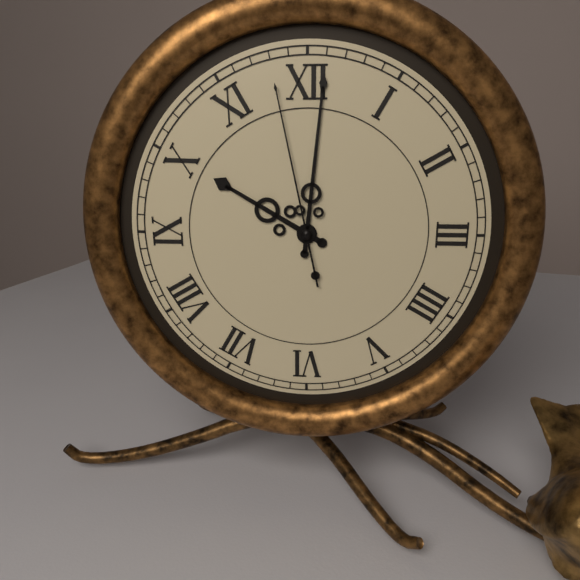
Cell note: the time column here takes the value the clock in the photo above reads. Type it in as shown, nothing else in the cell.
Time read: 10:01:58
